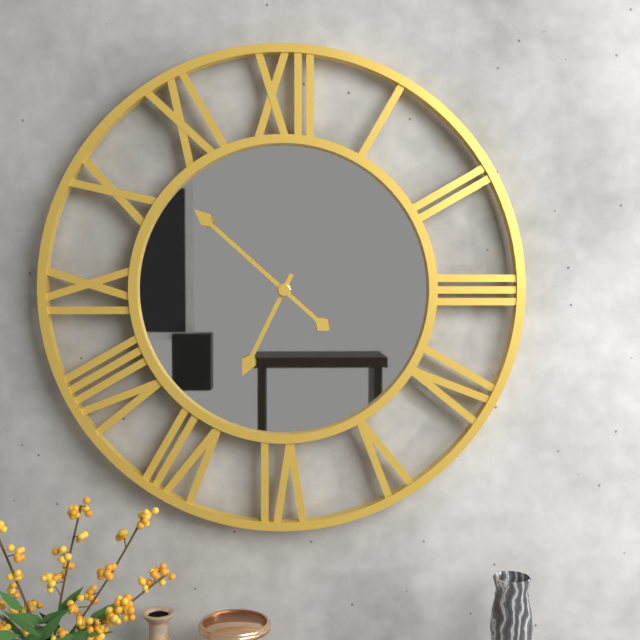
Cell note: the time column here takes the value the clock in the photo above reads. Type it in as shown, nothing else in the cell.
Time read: 6:52
